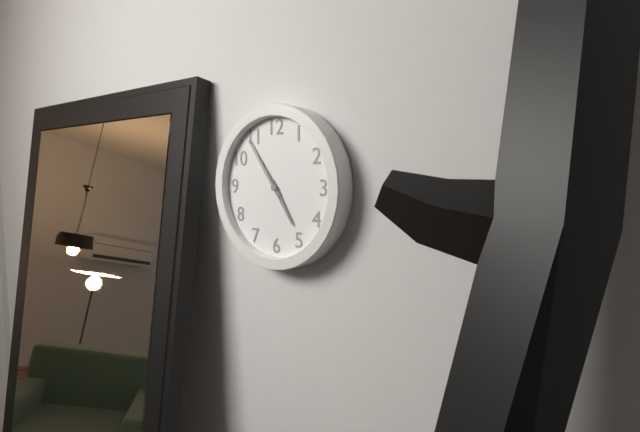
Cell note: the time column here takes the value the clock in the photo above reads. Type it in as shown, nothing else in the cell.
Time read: 4:54
